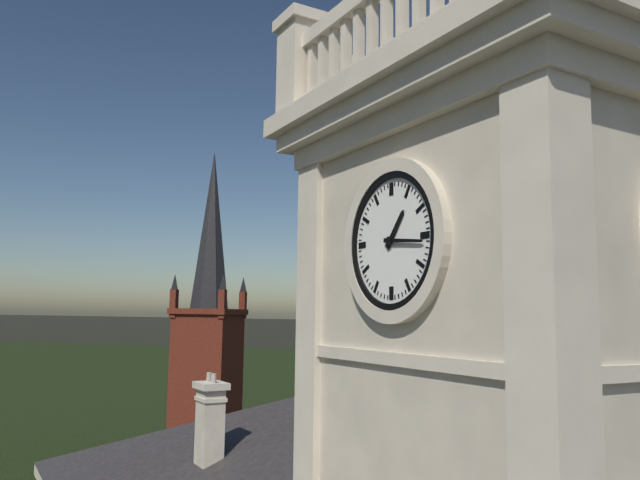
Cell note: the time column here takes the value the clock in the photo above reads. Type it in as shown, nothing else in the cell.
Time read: 1:16
